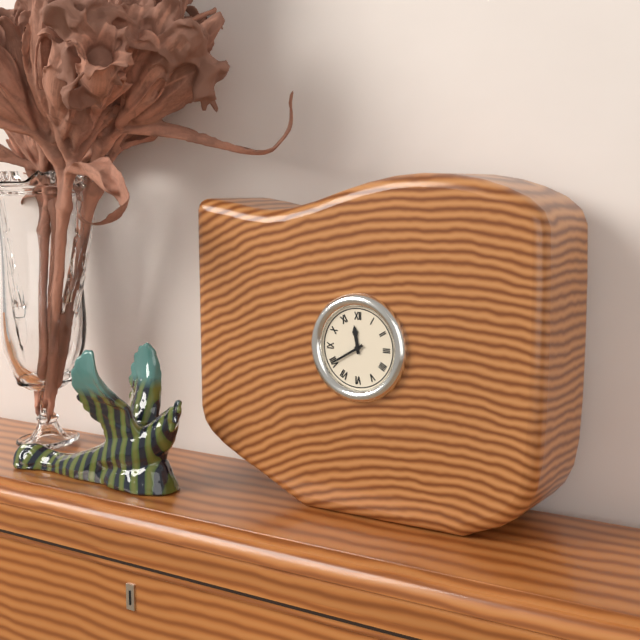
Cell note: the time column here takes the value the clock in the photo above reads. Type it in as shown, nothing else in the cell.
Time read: 11:40
